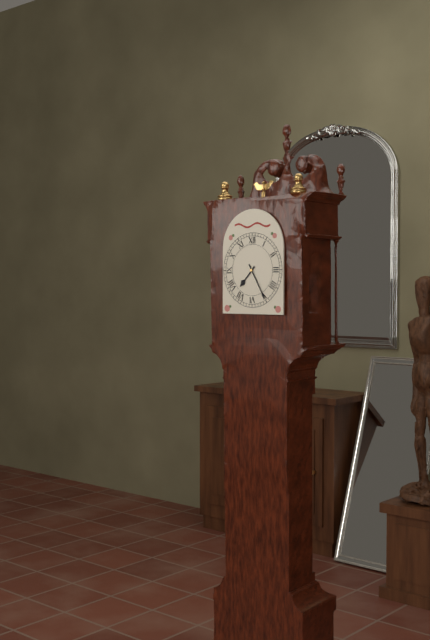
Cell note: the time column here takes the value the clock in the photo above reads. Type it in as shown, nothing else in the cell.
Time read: 7:25
